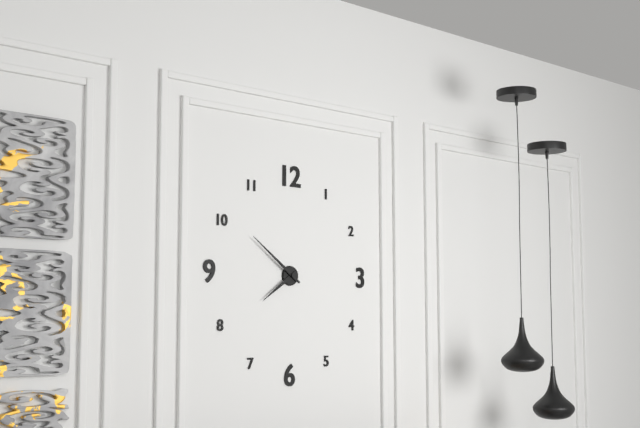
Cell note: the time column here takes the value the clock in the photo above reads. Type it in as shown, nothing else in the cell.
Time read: 7:51
